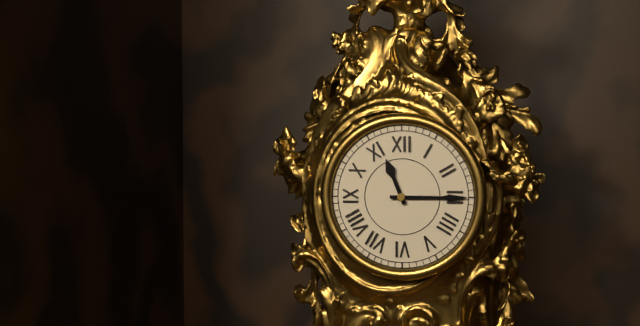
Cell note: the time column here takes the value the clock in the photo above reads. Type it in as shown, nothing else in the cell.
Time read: 11:15
